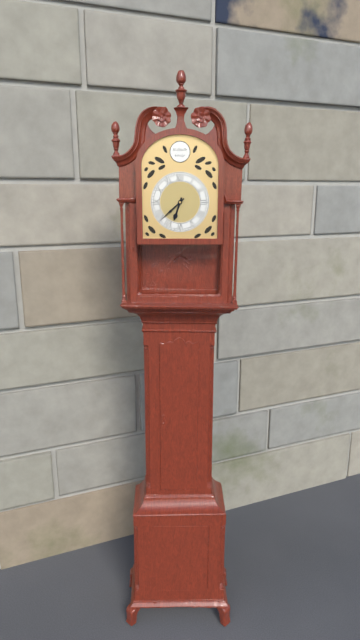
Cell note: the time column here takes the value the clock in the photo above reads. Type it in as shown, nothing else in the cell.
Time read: 6:38
